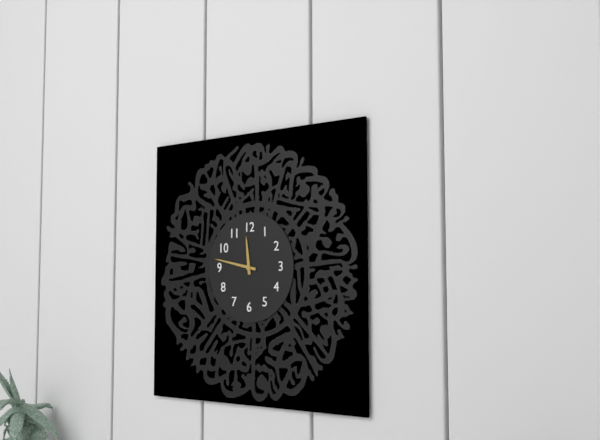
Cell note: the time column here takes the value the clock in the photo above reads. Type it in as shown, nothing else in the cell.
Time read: 11:47
